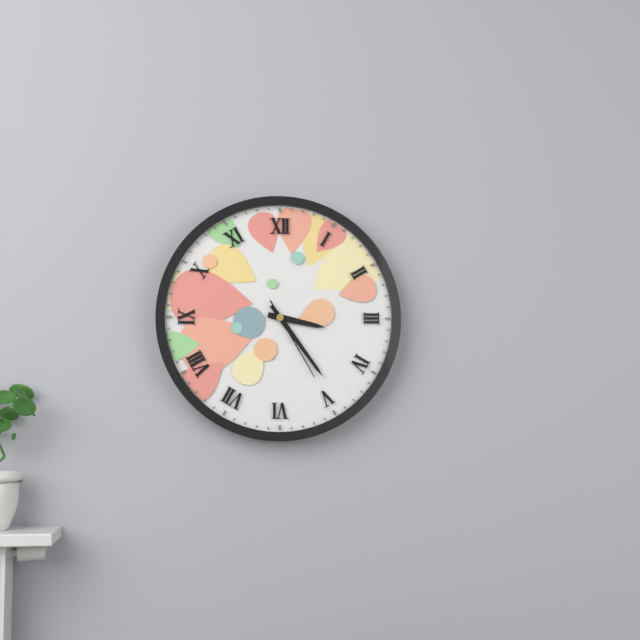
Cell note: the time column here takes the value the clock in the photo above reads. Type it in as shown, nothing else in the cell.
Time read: 3:24:25
